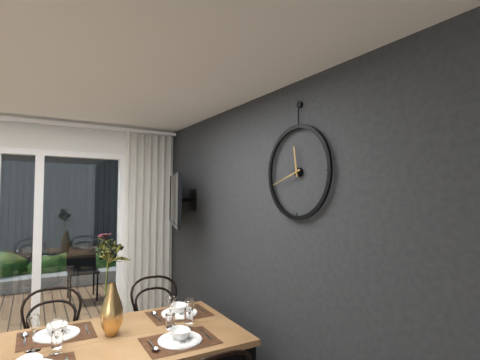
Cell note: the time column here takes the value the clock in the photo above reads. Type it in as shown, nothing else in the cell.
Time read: 11:42
